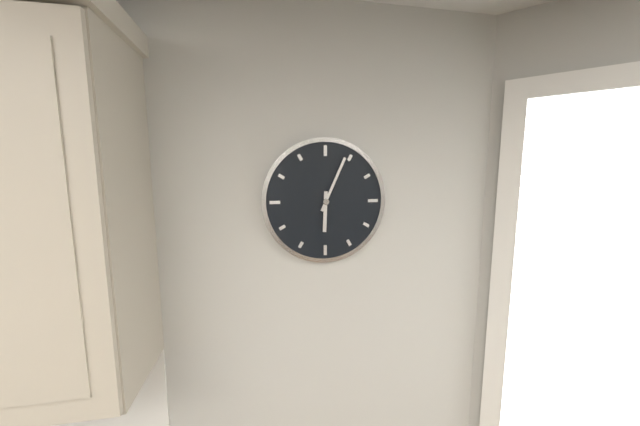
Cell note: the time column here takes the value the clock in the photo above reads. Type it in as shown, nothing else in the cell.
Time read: 6:04
